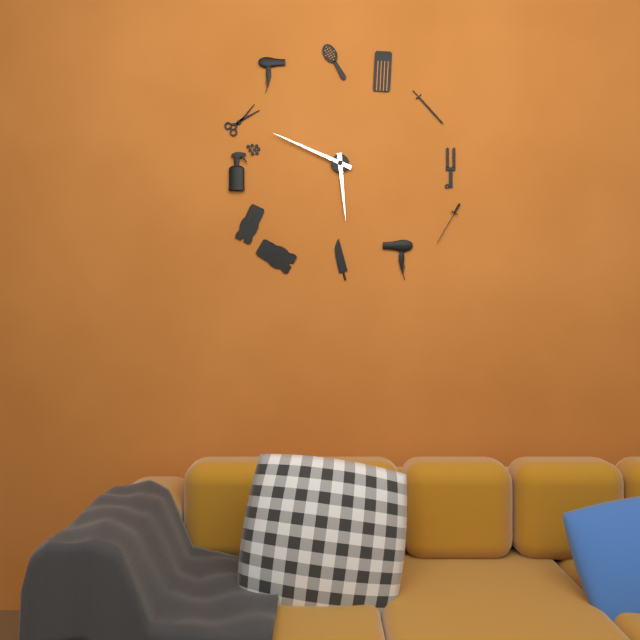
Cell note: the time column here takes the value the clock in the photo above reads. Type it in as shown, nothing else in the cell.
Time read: 5:49
